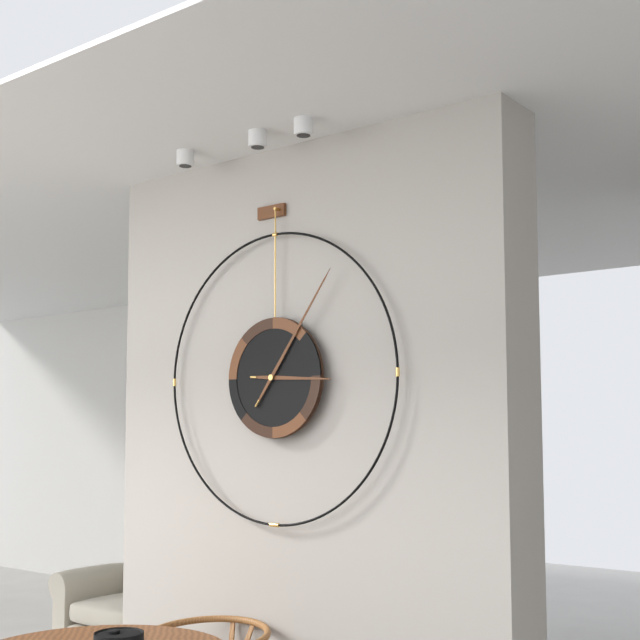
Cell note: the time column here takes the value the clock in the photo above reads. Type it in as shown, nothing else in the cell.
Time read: 3:06
